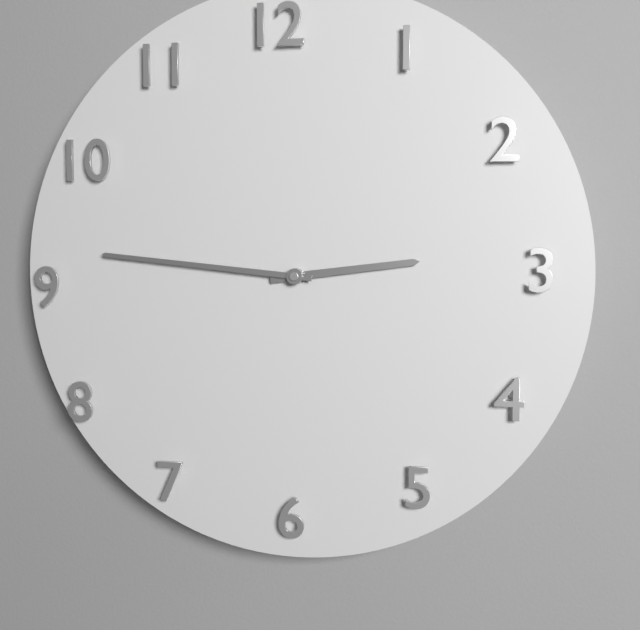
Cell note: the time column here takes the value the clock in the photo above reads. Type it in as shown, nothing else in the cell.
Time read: 2:46
